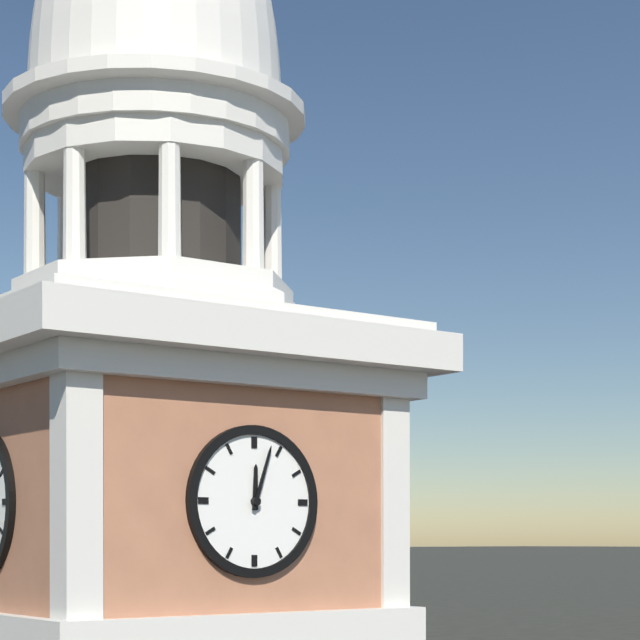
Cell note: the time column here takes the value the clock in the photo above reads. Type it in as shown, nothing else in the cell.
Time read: 12:03
